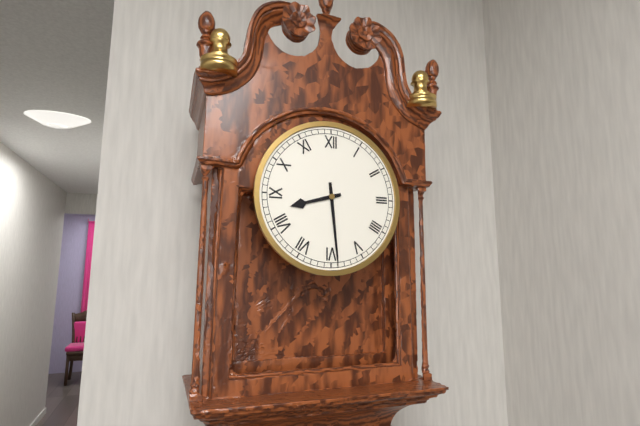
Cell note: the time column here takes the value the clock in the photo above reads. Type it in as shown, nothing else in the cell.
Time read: 8:29
